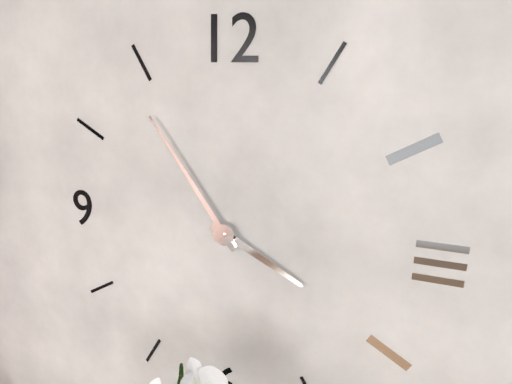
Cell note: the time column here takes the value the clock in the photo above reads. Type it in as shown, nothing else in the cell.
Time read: 3:54
